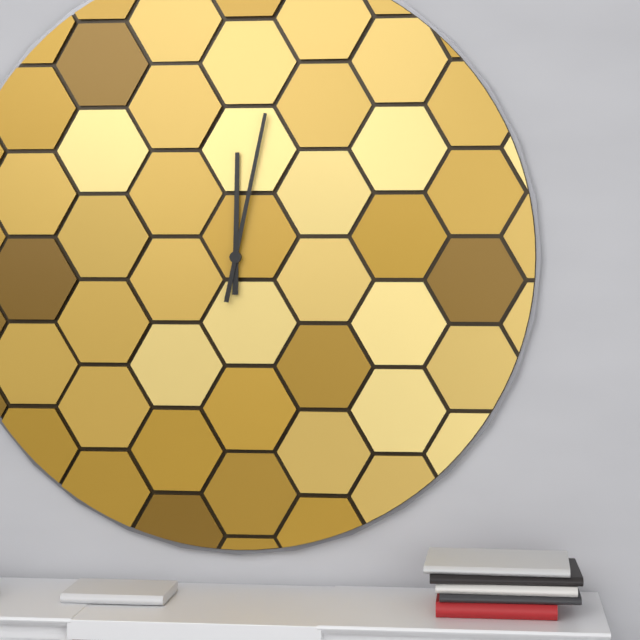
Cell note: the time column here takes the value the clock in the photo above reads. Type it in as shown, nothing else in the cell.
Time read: 12:02
